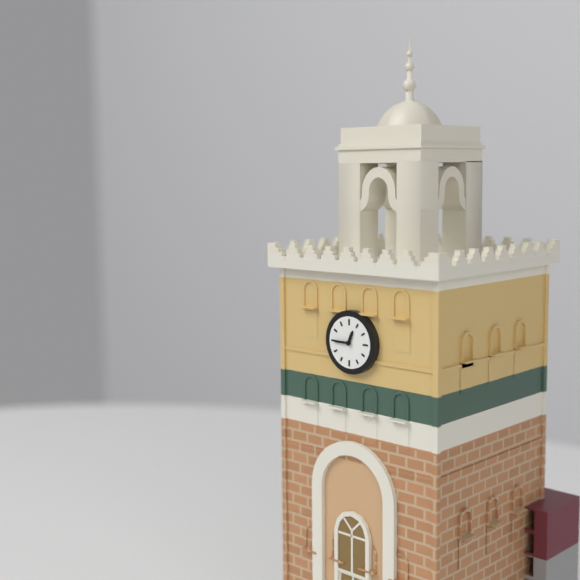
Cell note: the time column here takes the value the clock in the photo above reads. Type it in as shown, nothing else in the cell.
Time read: 12:45
